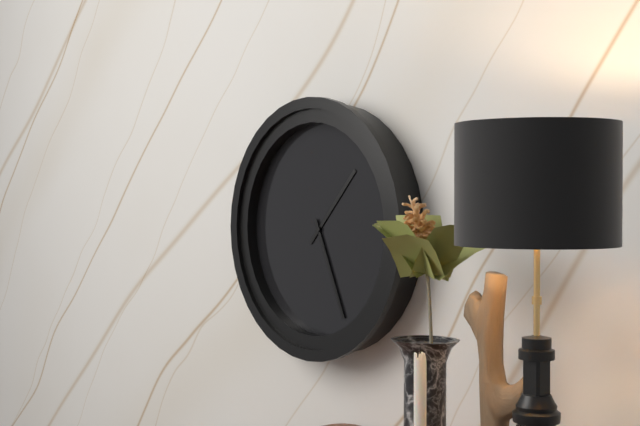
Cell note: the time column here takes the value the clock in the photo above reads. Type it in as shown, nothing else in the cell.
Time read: 1:26
